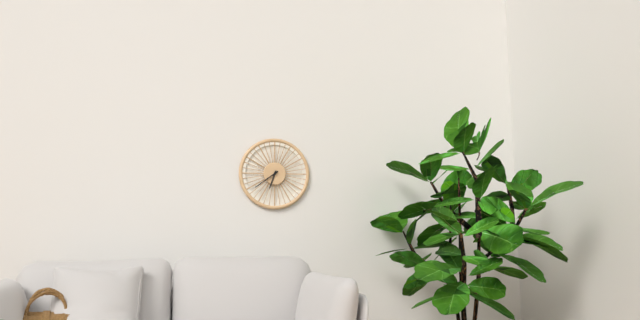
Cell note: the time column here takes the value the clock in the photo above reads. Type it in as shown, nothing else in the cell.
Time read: 6:39
